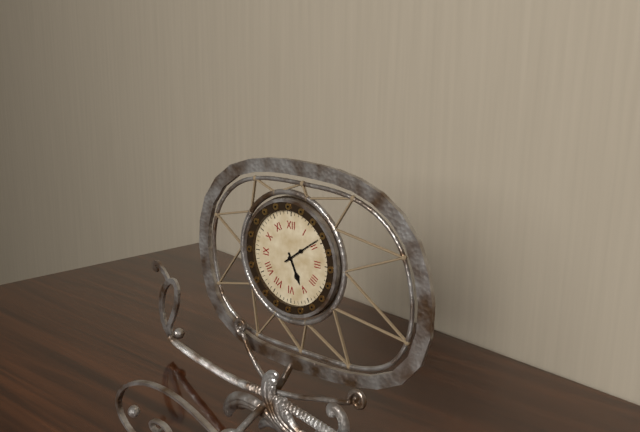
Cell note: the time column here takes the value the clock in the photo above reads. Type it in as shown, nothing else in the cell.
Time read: 5:09
